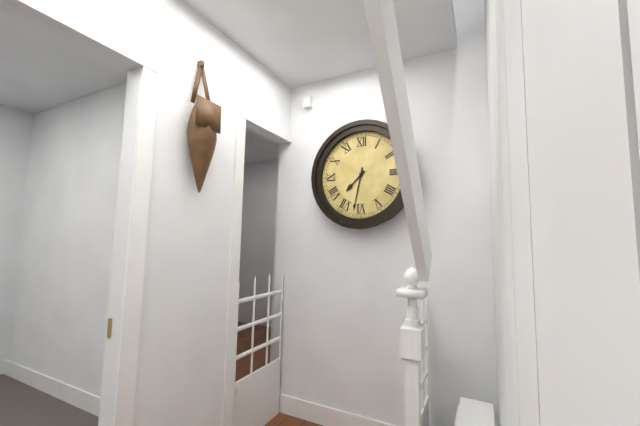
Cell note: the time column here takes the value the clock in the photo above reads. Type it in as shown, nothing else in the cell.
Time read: 7:32
